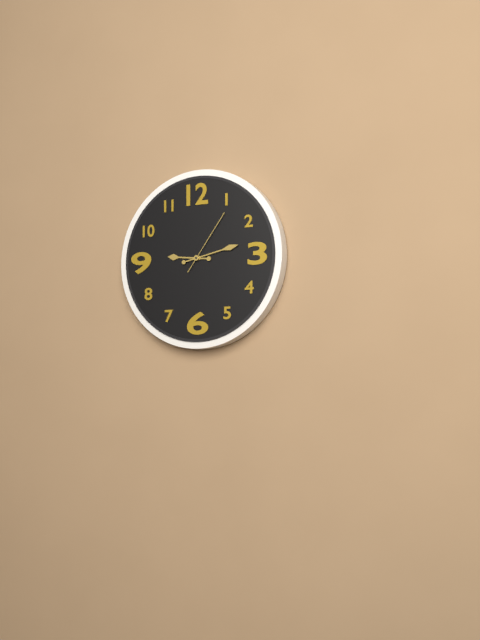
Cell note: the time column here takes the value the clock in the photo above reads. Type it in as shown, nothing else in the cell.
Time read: 9:13:06
